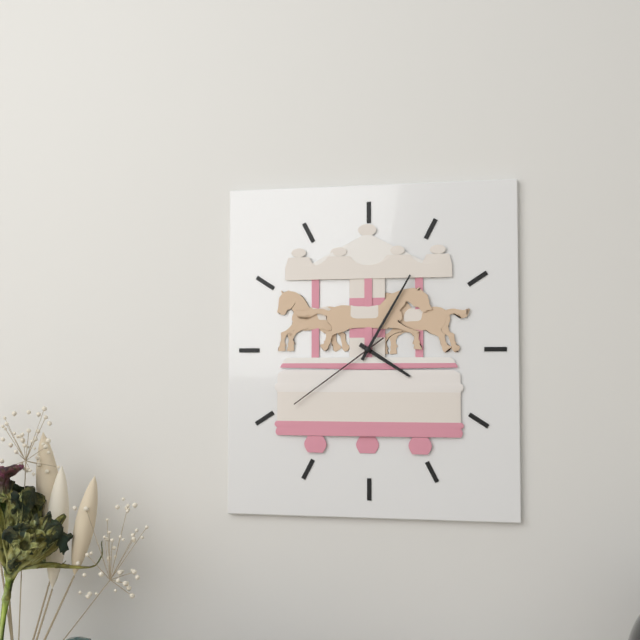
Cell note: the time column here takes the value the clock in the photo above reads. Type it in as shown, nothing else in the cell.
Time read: 4:05:39
